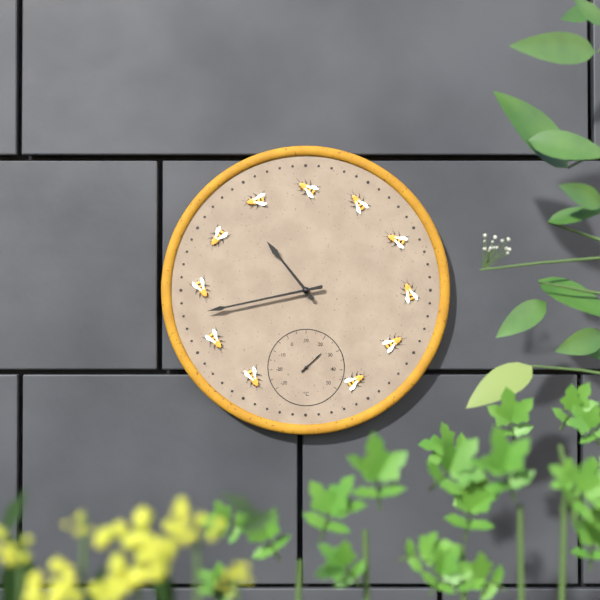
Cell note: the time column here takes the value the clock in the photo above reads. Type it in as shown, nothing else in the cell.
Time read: 10:43
